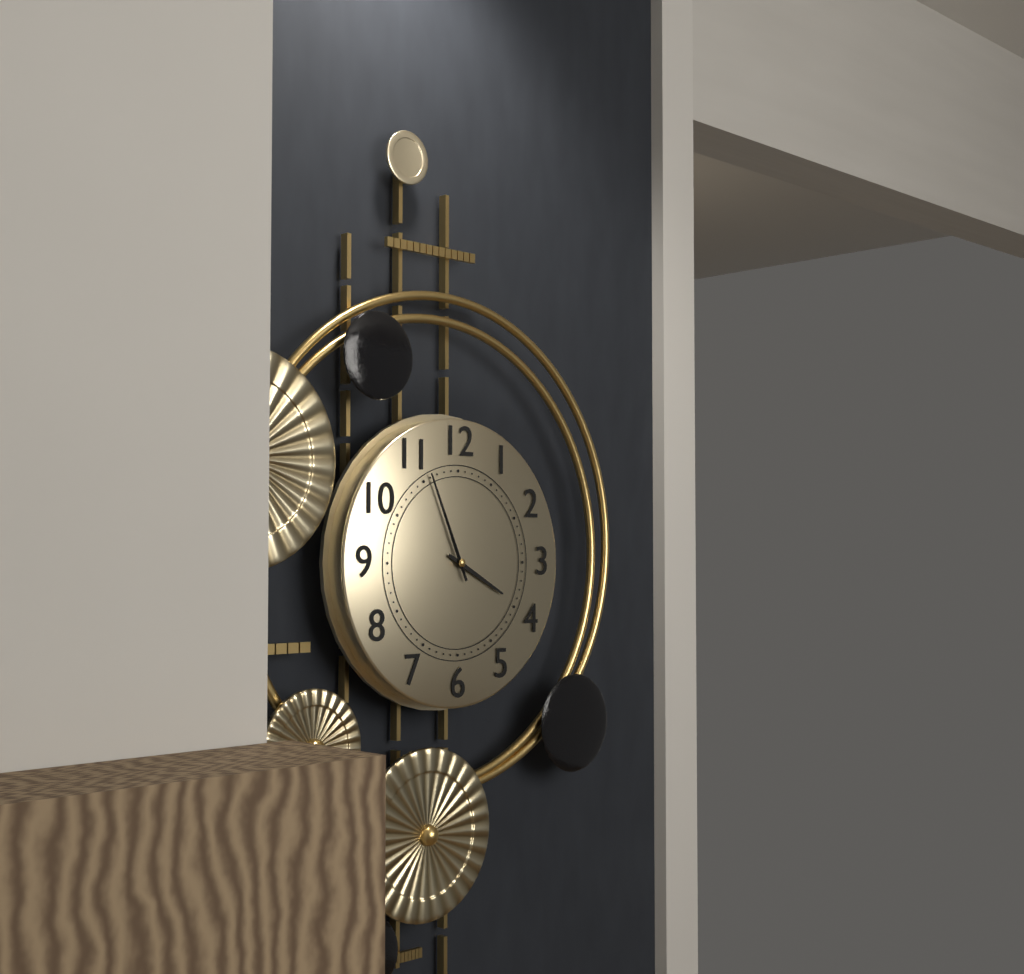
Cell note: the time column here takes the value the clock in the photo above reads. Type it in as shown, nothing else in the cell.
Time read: 3:56:56
